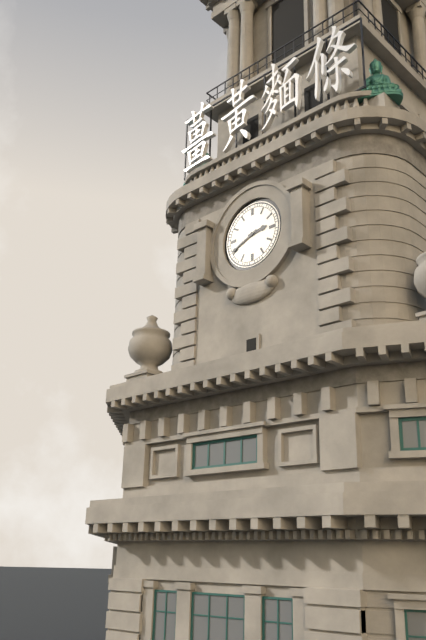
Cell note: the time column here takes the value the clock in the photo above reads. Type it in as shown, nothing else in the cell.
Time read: 2:41
